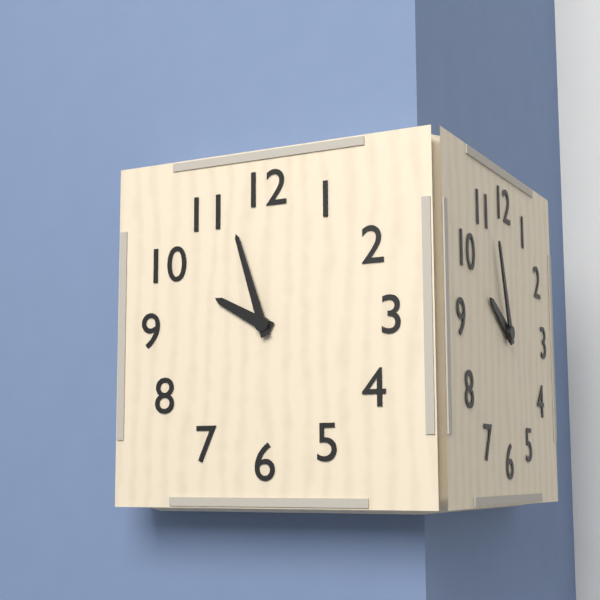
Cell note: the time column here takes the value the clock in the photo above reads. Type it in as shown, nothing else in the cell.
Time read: 9:57
